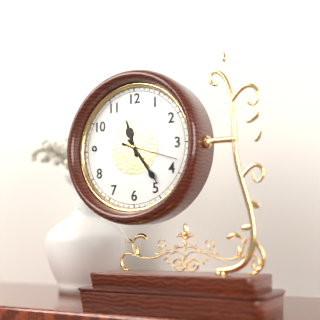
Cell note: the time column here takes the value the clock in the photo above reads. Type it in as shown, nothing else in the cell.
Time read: 11:24:18
